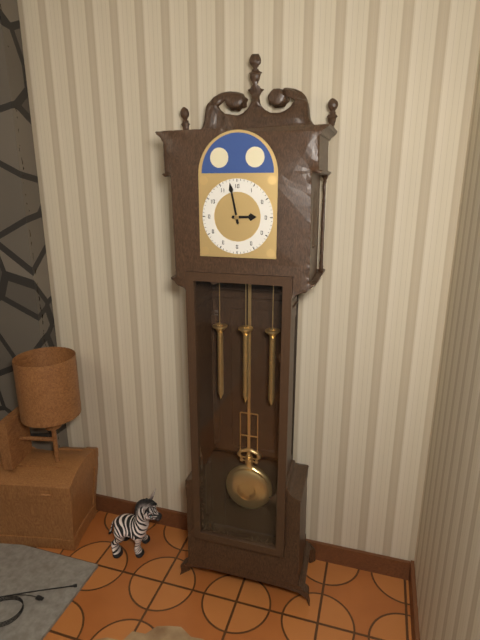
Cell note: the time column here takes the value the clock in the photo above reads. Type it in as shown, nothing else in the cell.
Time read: 2:58
